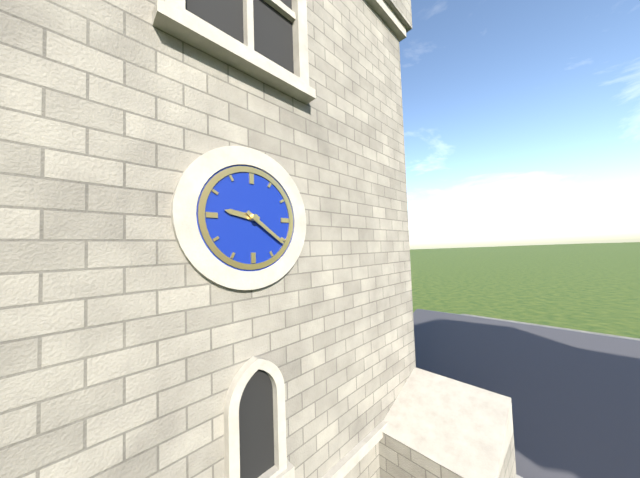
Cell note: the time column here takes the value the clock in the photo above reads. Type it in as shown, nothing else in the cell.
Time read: 9:21
